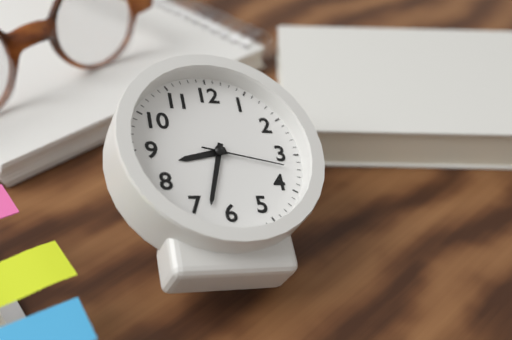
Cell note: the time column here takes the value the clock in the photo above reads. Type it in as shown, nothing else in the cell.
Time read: 8:33:17
